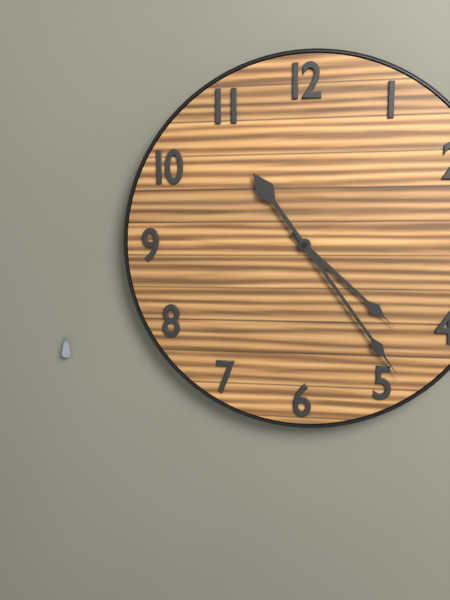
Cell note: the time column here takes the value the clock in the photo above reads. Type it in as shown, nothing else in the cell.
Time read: 4:24
